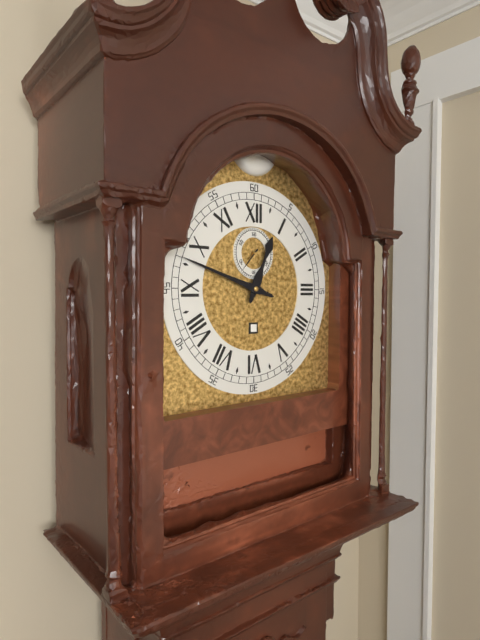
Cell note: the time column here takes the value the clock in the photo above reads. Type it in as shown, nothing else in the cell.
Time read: 12:48
